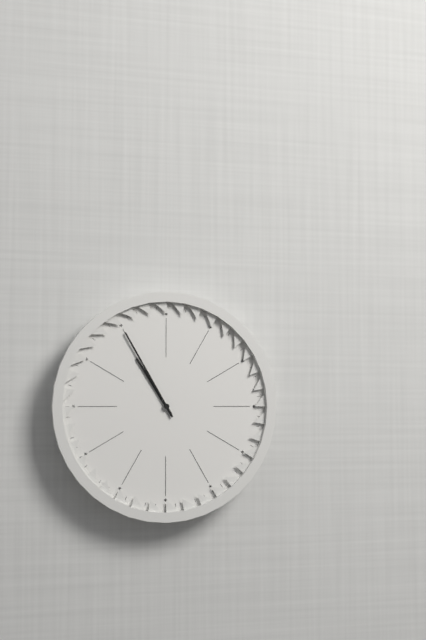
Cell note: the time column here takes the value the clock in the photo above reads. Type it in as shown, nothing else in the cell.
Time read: 10:55
